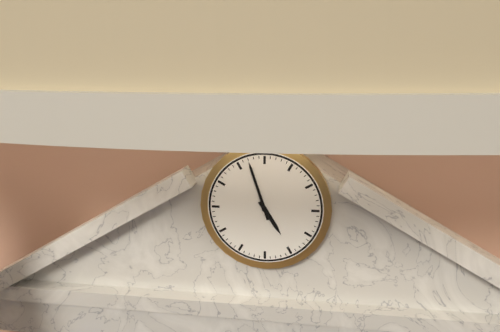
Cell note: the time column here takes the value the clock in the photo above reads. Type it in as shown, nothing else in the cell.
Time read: 4:57
